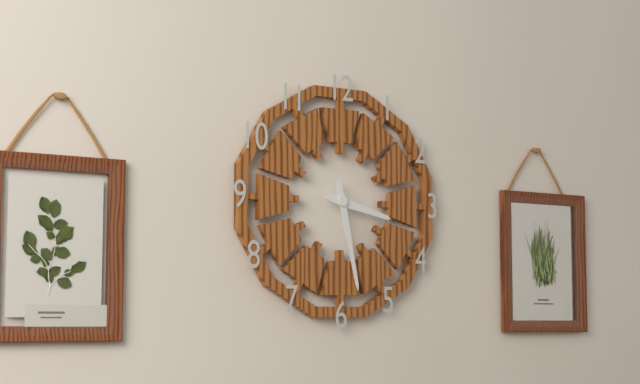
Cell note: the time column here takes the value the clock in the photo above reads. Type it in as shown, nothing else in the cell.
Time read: 3:28
